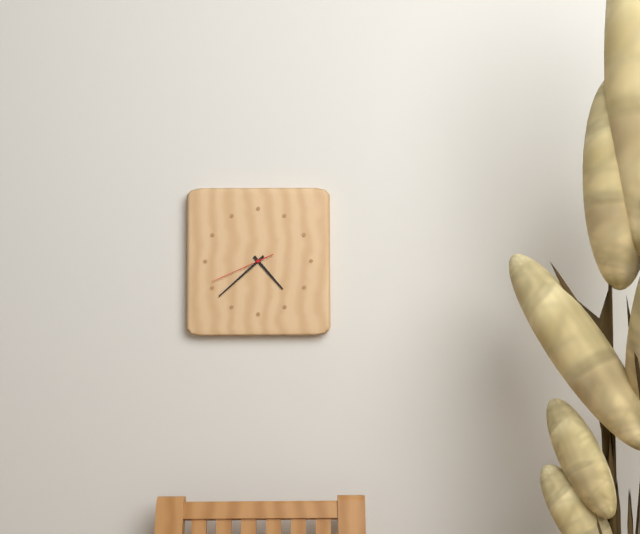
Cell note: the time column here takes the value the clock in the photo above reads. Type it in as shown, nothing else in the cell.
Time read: 4:38:41
